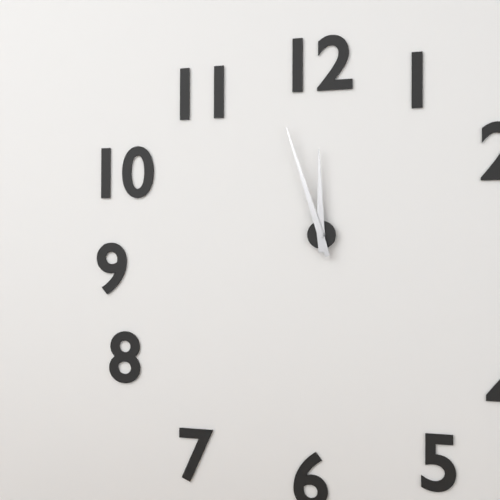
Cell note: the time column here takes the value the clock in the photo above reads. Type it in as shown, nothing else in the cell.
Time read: 11:57
